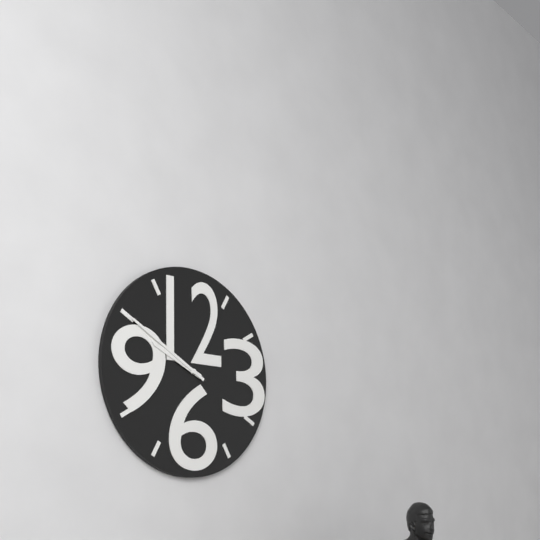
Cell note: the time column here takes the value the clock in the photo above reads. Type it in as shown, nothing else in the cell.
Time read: 9:50
